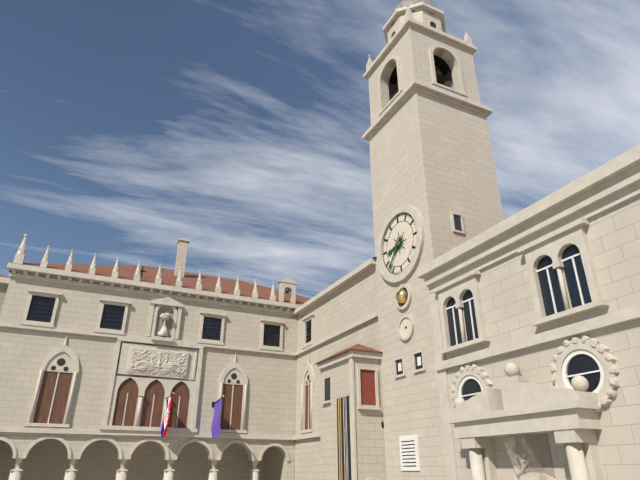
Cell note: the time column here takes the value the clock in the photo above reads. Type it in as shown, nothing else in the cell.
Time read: 8:37
